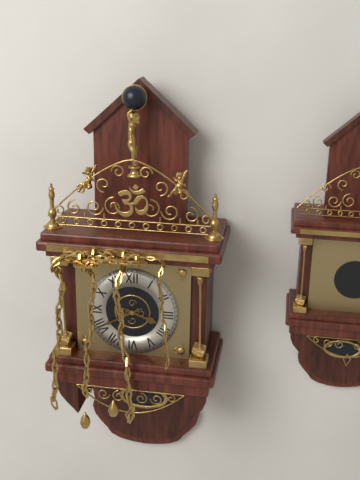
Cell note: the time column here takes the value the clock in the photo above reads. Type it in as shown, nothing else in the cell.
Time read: 3:40
